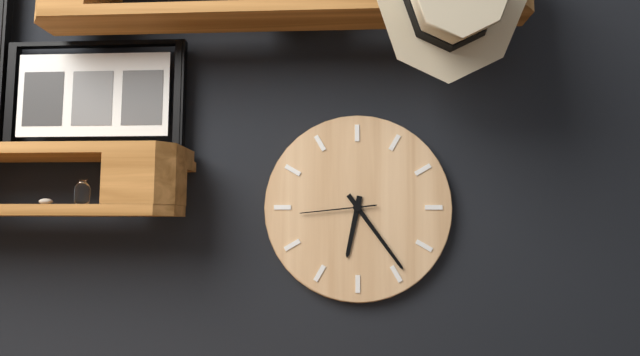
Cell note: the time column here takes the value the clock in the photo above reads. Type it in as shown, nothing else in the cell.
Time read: 6:24:44
